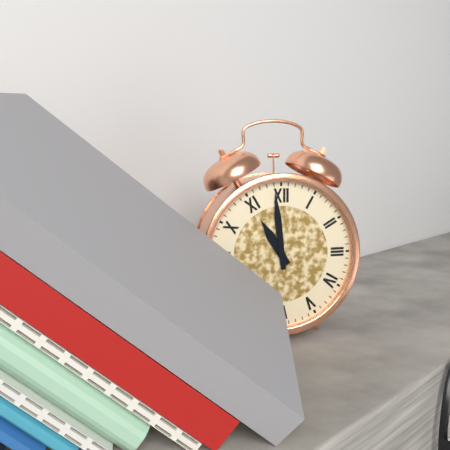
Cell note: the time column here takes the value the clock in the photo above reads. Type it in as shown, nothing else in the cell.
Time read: 10:59
